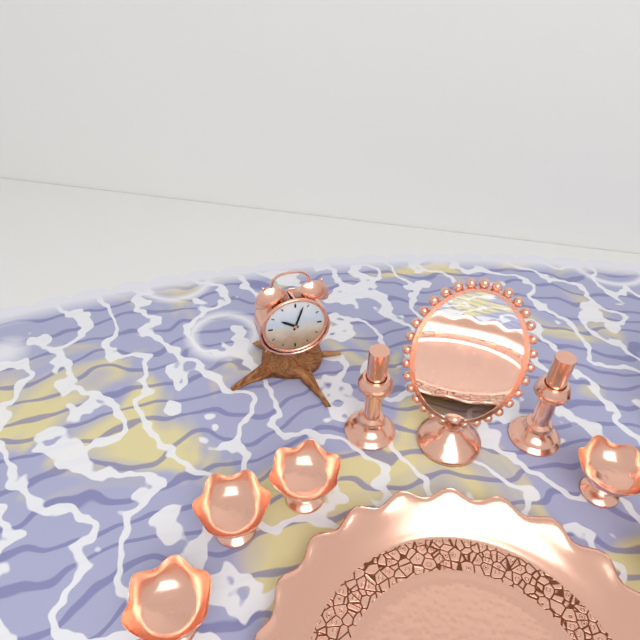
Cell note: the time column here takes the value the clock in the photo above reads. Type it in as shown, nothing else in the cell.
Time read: 10:03
